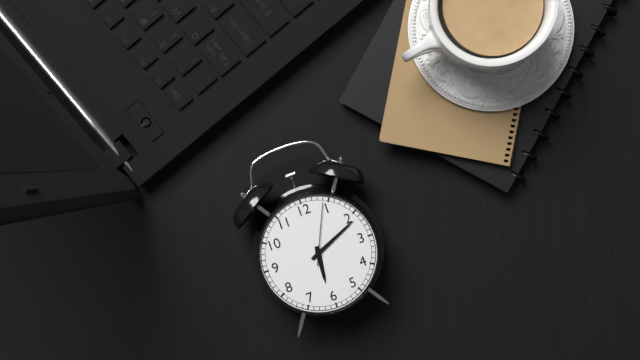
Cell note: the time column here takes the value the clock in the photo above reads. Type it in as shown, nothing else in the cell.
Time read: 6:11:04
